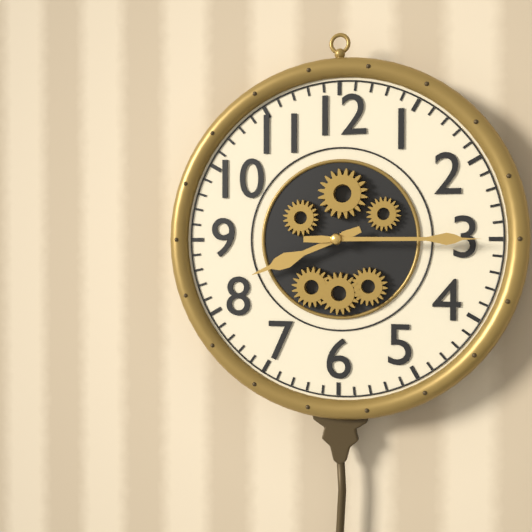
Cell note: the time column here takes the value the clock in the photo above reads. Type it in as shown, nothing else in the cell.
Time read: 8:15
